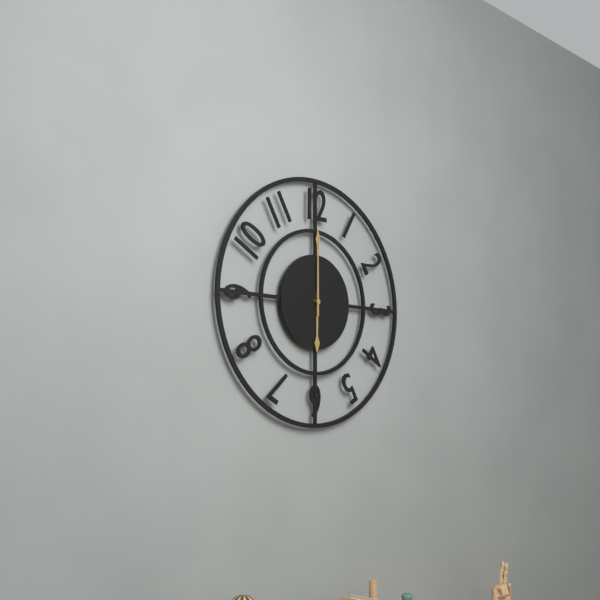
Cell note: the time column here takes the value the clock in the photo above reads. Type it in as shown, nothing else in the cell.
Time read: 6:00
